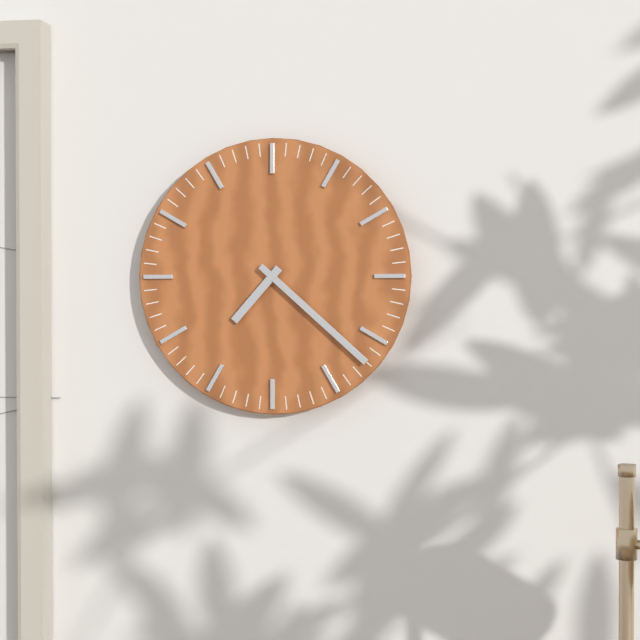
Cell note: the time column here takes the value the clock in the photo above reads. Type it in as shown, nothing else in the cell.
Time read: 7:22
